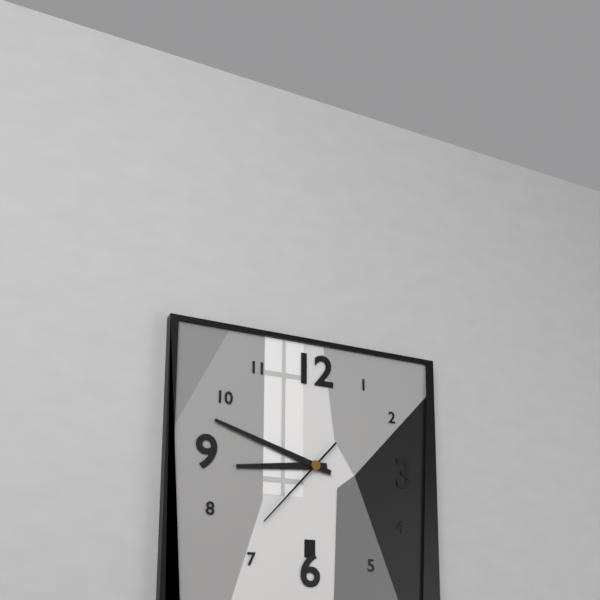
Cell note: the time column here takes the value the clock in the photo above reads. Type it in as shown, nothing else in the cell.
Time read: 8:48:37
